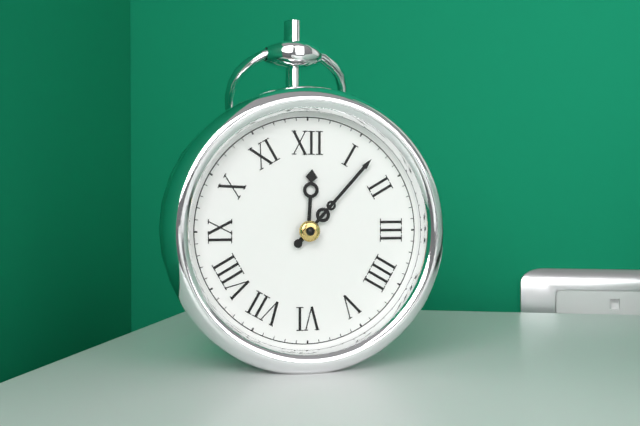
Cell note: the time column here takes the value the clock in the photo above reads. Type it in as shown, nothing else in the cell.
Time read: 12:07
